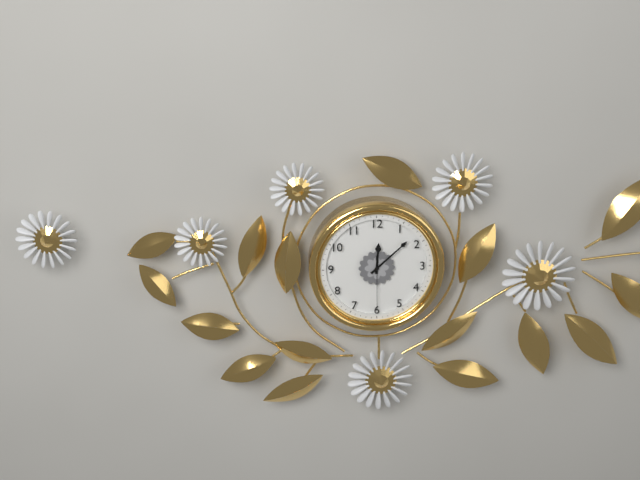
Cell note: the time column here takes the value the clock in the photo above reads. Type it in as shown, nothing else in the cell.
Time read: 12:08:30
